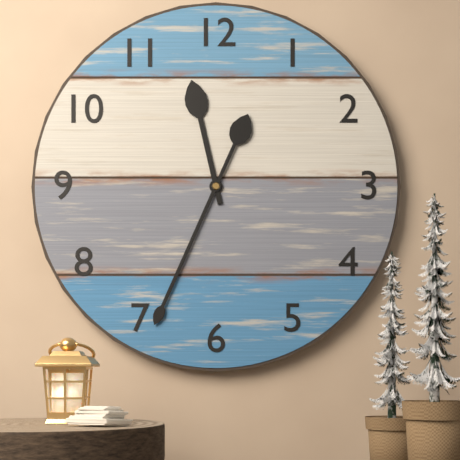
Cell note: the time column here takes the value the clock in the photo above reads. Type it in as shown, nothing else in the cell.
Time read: 11:34
